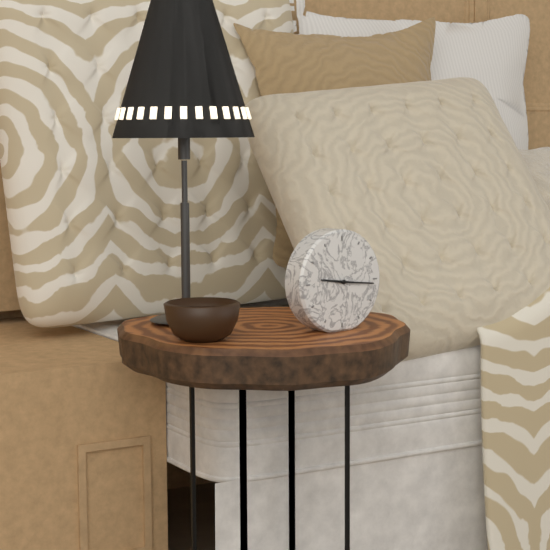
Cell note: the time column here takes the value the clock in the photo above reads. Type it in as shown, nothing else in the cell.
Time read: 9:16
